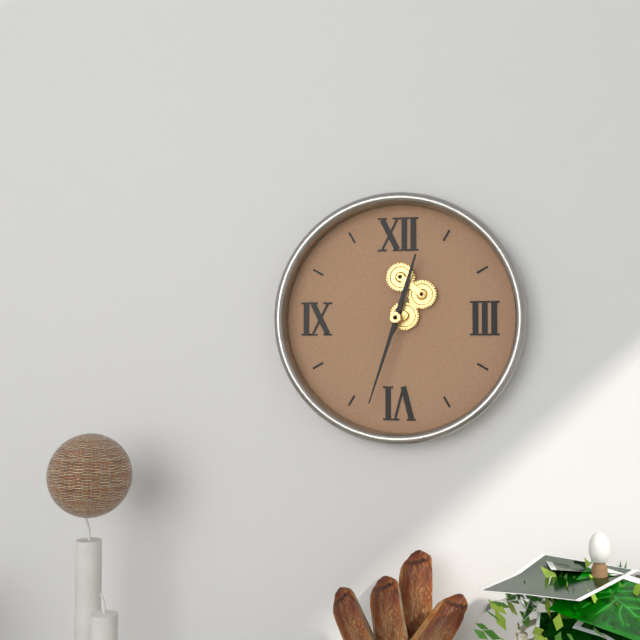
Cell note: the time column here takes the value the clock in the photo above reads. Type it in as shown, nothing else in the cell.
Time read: 12:33
